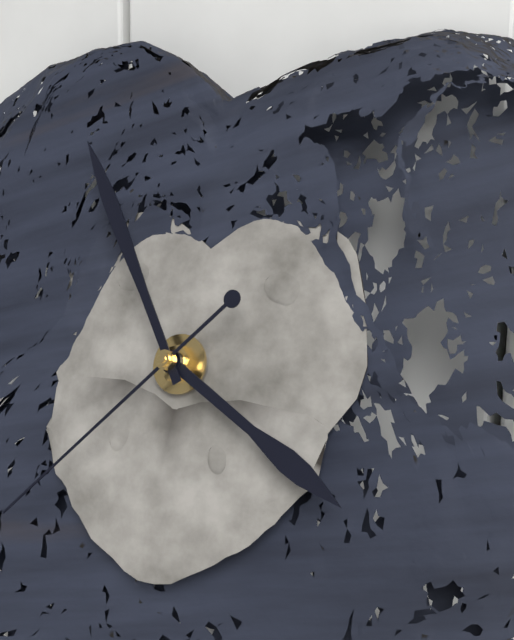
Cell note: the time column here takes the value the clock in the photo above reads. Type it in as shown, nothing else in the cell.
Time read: 3:54:37
